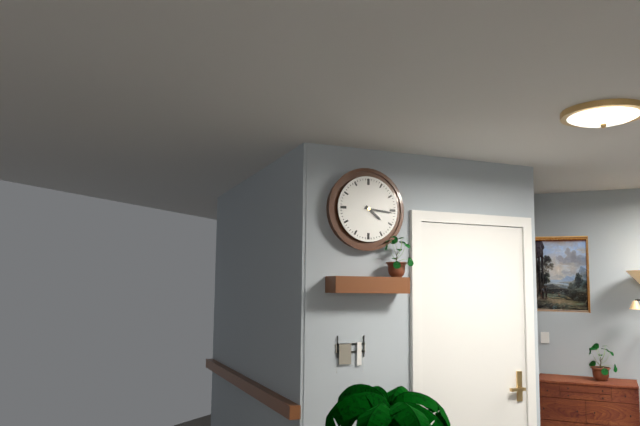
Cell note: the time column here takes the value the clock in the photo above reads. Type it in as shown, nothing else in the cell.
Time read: 4:16
